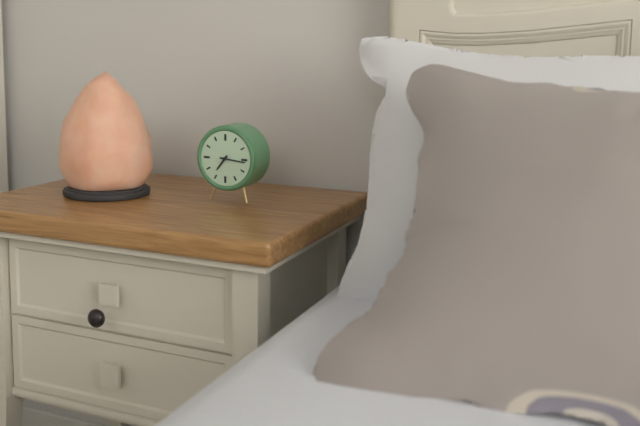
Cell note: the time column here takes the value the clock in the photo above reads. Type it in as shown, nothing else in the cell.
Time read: 7:16
